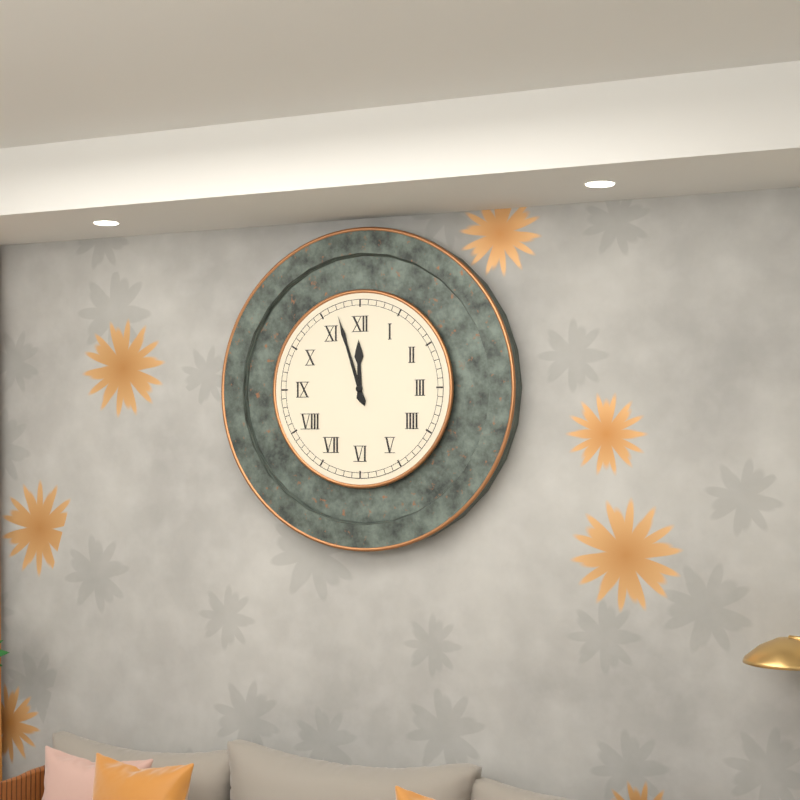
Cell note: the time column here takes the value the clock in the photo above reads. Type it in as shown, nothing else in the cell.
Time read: 11:57
